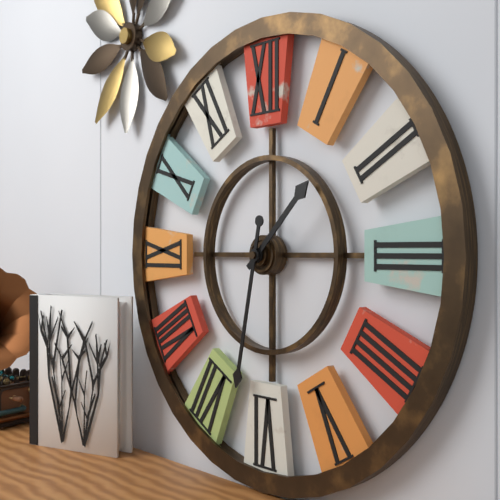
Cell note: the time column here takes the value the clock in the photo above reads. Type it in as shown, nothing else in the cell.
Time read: 1:32
